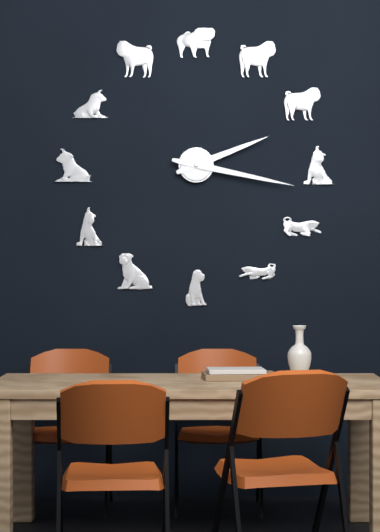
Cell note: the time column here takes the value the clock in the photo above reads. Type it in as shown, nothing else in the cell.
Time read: 2:17
